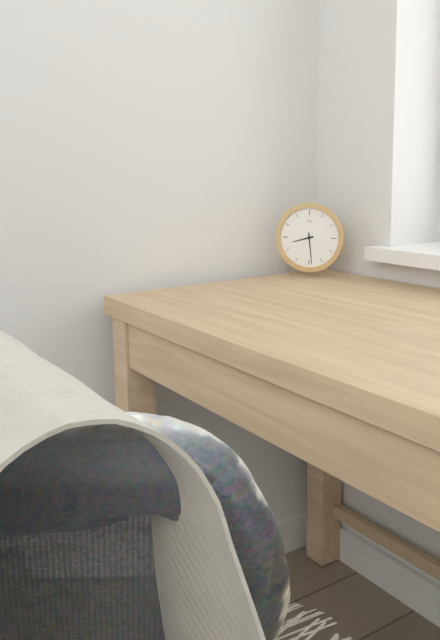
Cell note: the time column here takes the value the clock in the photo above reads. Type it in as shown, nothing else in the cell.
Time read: 8:29
